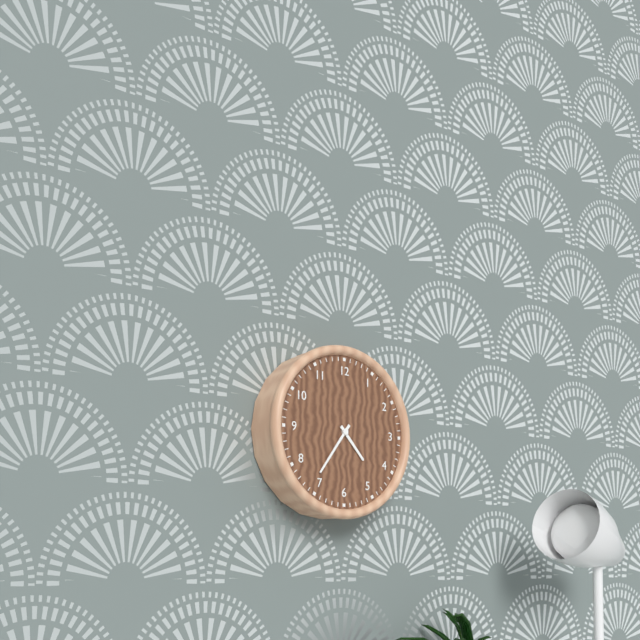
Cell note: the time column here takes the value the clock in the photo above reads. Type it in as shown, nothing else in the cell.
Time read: 4:36
